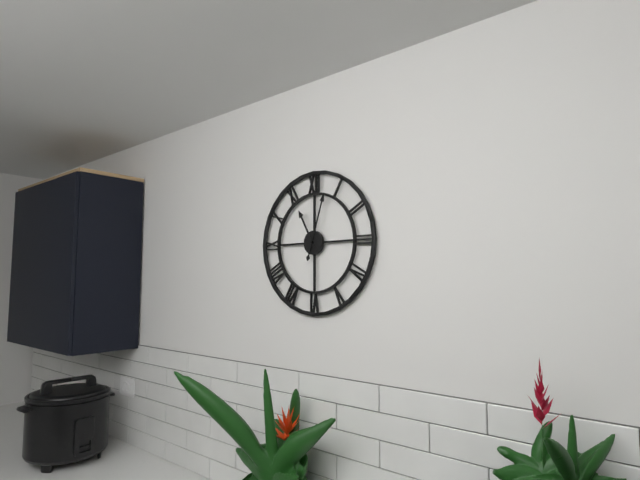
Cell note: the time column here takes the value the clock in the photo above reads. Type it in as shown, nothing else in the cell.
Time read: 11:03
